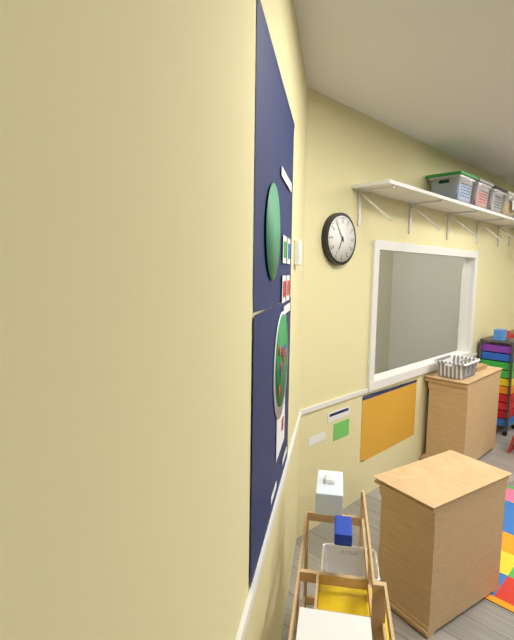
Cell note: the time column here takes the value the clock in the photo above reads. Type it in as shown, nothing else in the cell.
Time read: 6:54
